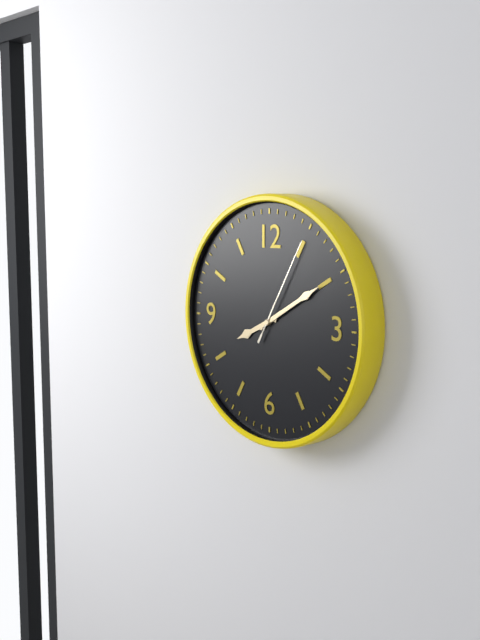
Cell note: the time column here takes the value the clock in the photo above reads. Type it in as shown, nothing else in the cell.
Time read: 8:10:05
